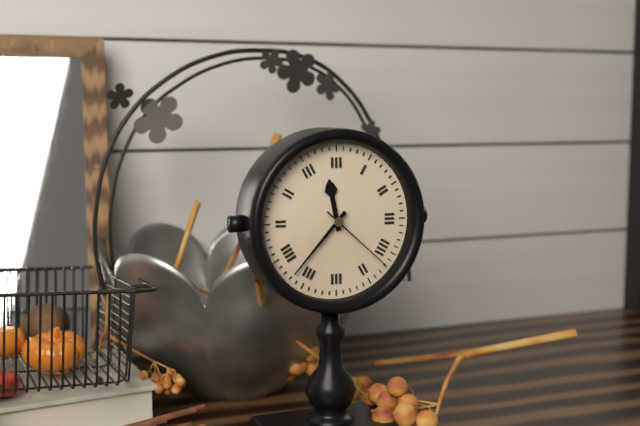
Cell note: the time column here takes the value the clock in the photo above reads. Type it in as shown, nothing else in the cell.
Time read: 11:37:22
